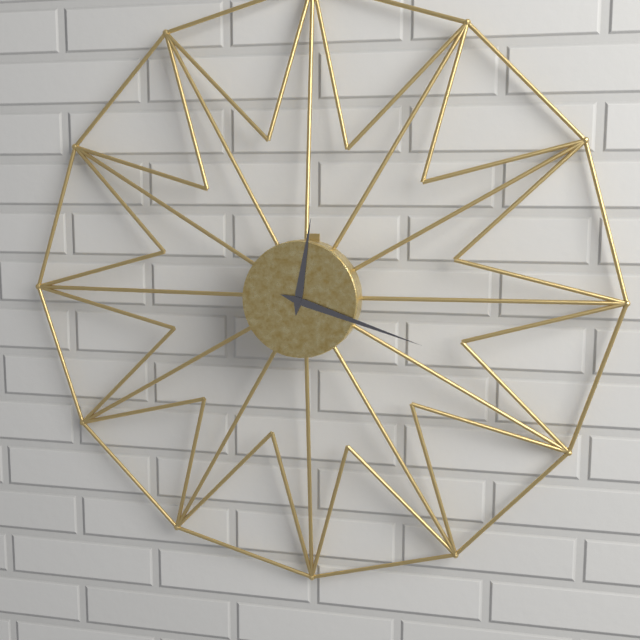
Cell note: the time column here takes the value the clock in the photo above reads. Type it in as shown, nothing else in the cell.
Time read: 12:18
